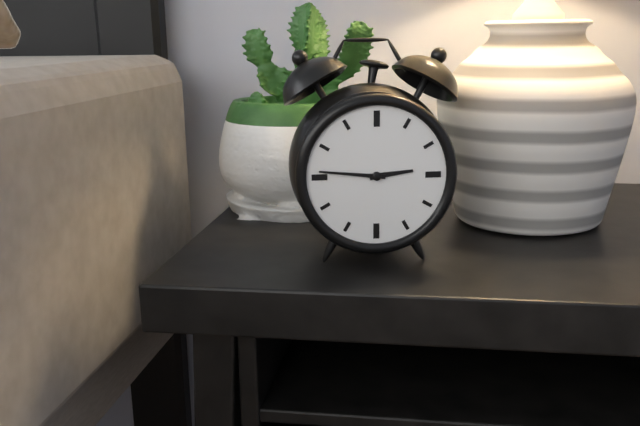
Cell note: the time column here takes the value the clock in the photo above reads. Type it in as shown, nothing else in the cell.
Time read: 2:46
